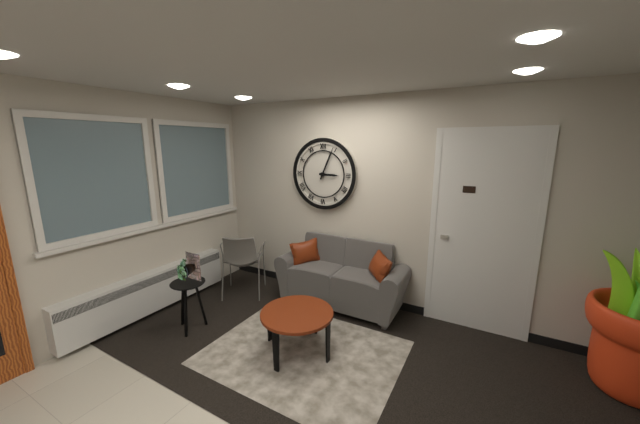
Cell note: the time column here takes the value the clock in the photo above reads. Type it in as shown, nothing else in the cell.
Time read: 3:04
